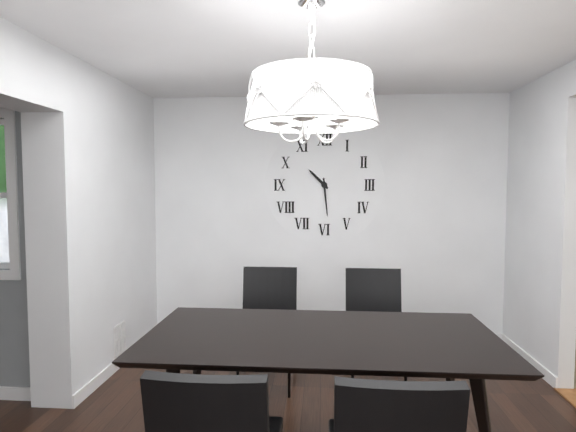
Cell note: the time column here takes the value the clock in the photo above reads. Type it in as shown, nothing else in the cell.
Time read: 10:29
